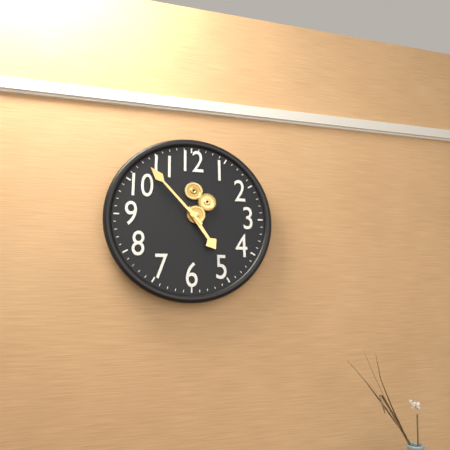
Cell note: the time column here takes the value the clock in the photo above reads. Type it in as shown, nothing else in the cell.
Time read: 4:53
